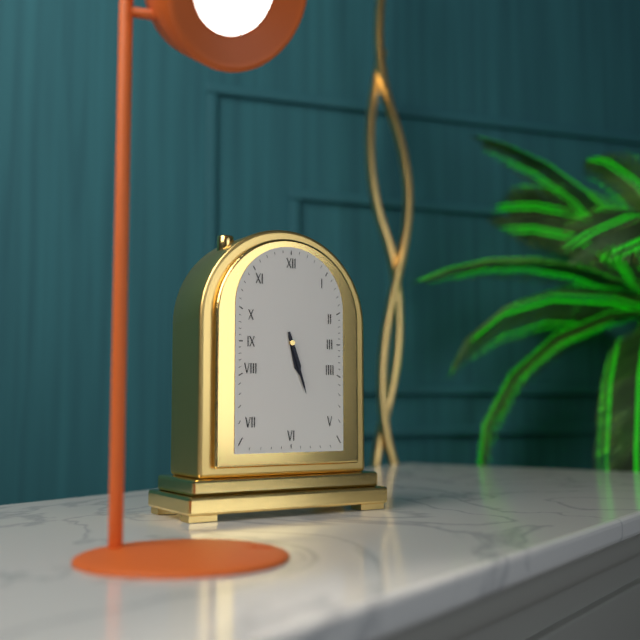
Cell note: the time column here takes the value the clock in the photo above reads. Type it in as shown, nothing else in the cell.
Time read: 5:27
